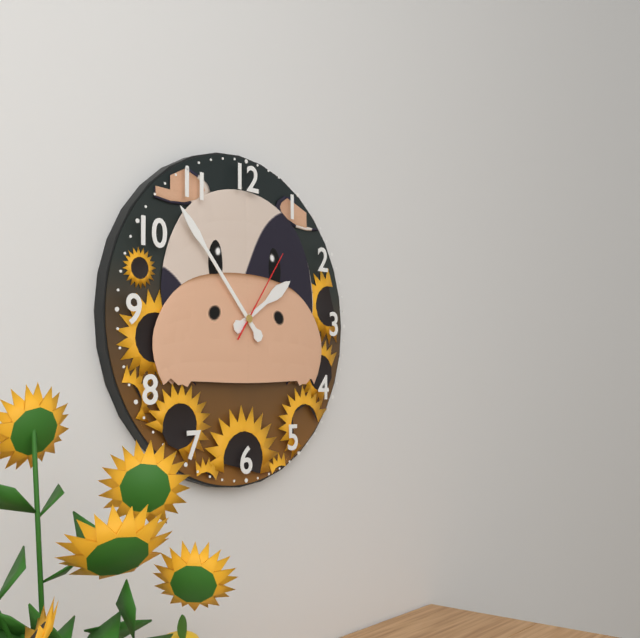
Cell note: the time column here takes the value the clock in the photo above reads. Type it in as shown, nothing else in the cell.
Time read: 1:53:06
